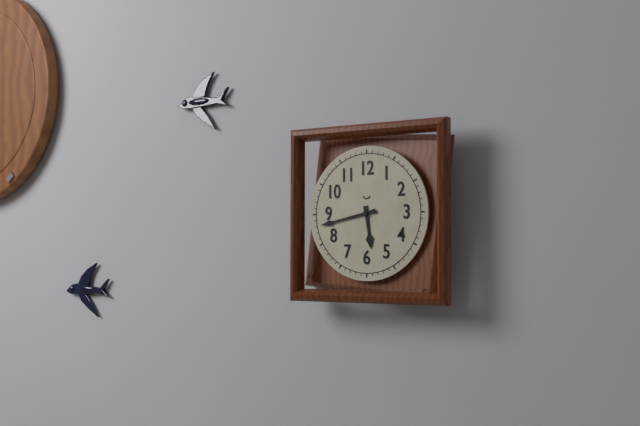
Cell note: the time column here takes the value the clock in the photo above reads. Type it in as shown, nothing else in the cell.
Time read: 5:43
